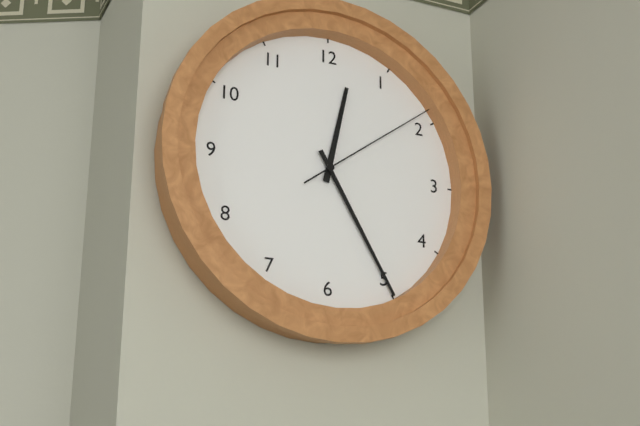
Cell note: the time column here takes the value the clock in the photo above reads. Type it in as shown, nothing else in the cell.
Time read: 12:25:09
